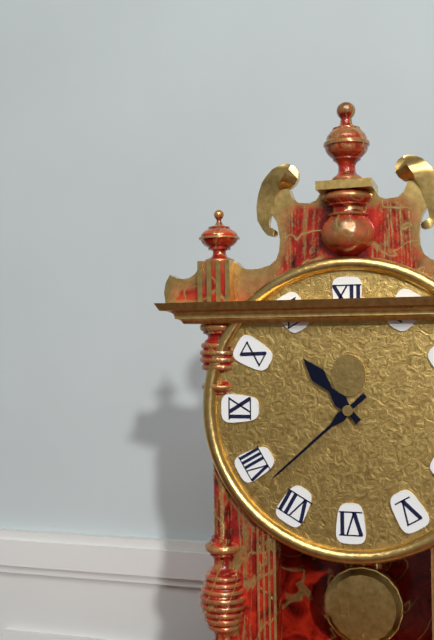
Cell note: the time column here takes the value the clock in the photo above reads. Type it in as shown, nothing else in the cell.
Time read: 10:38
